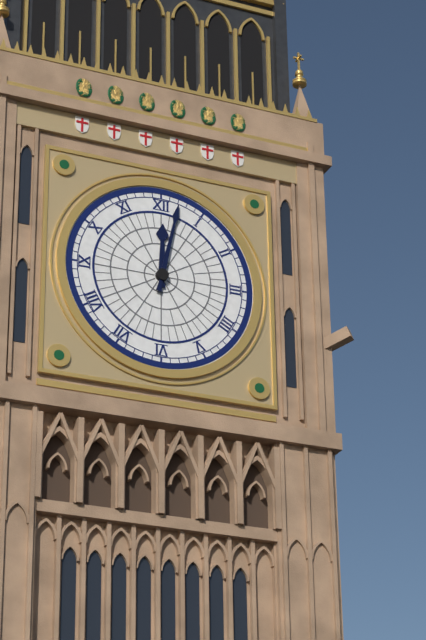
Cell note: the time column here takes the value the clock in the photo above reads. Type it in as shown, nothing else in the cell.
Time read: 12:02
